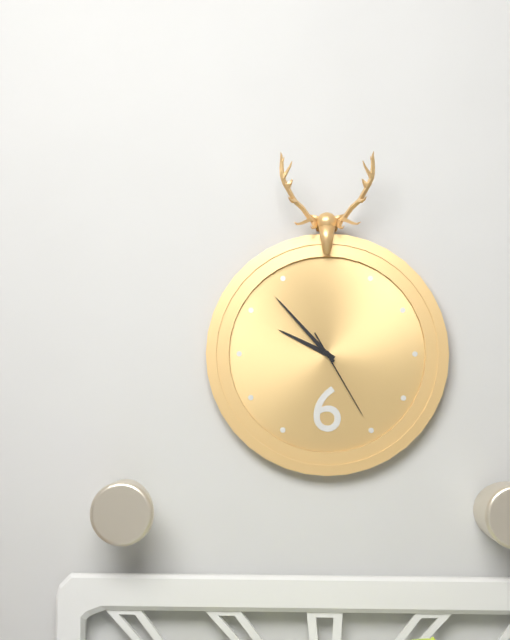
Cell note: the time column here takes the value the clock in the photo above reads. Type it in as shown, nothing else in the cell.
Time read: 9:53:25
